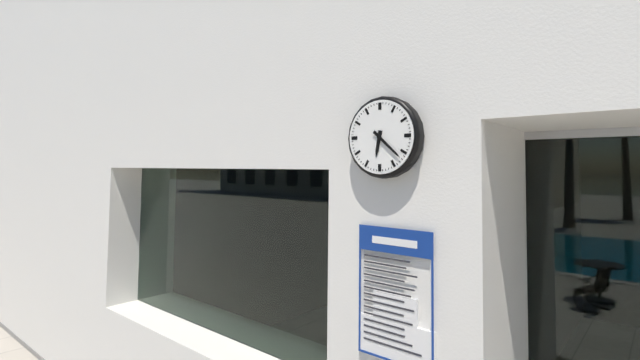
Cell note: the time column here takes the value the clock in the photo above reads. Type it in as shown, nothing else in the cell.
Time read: 6:22
